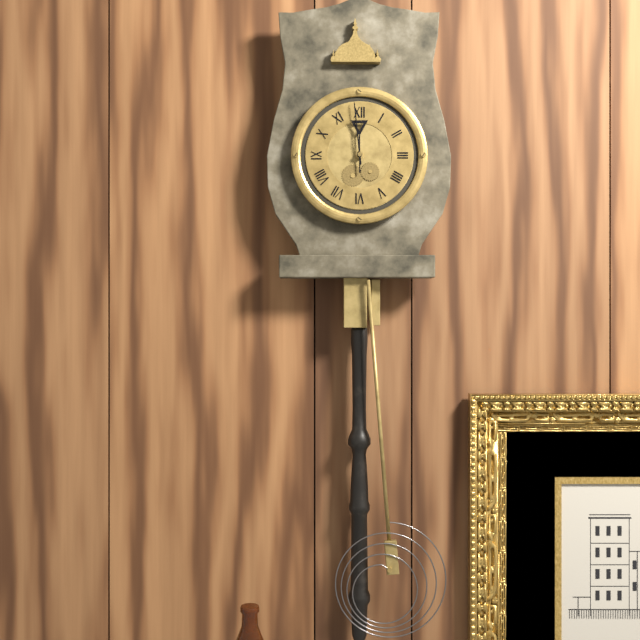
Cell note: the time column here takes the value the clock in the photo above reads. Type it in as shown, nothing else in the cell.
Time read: 11:59
